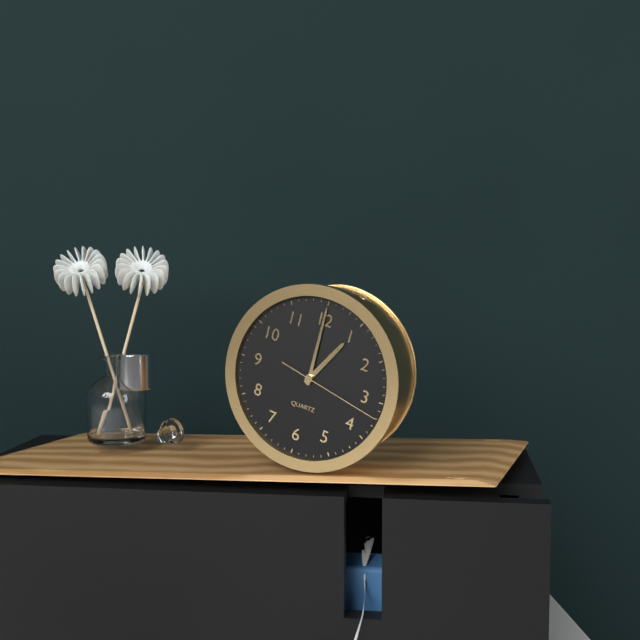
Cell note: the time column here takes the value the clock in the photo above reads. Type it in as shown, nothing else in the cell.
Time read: 1:00:17
